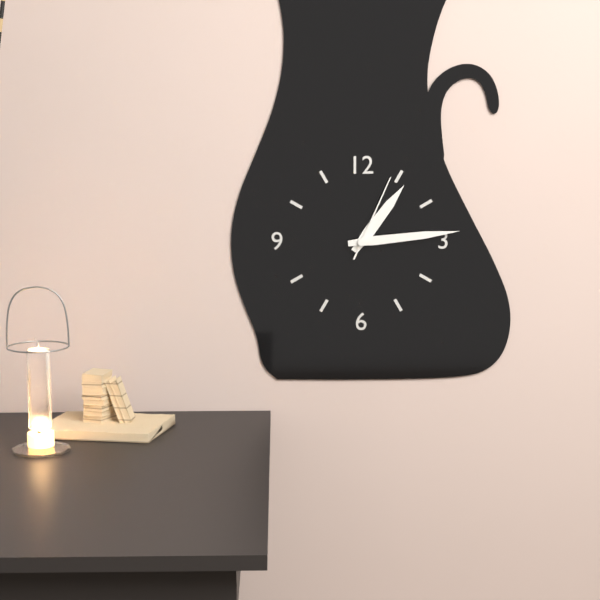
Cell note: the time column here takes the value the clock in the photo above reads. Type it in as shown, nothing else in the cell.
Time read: 1:14:04
